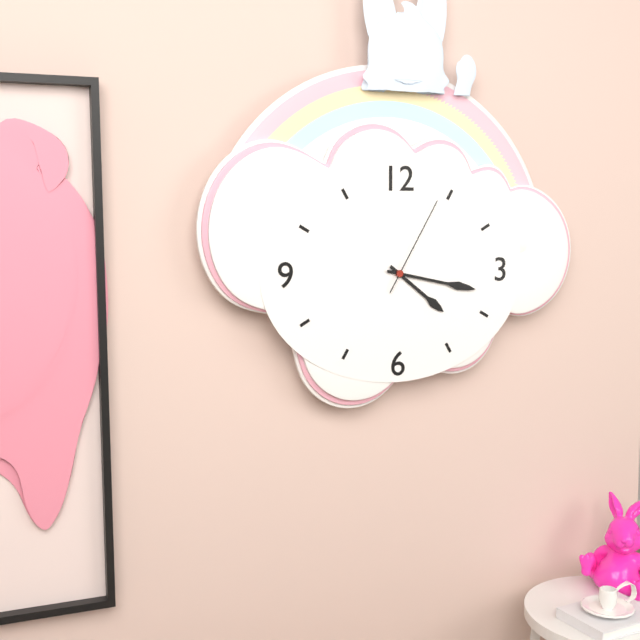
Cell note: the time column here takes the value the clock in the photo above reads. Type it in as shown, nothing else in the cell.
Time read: 4:17:05
